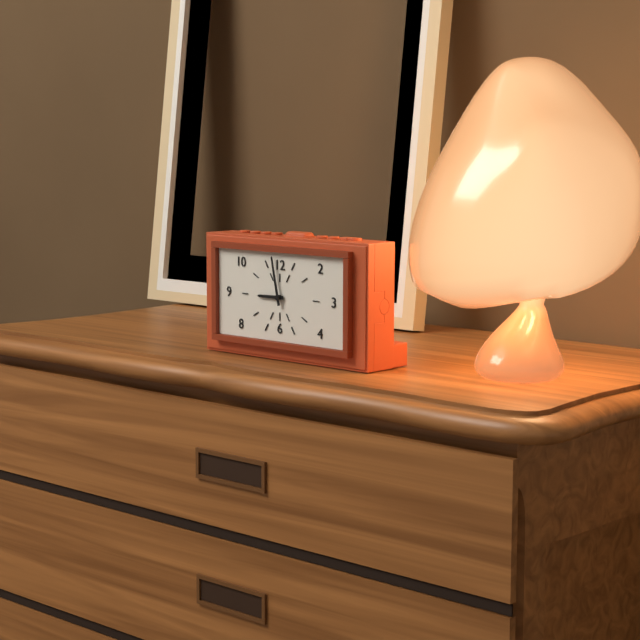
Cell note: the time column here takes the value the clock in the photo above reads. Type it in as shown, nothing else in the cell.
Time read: 8:58
